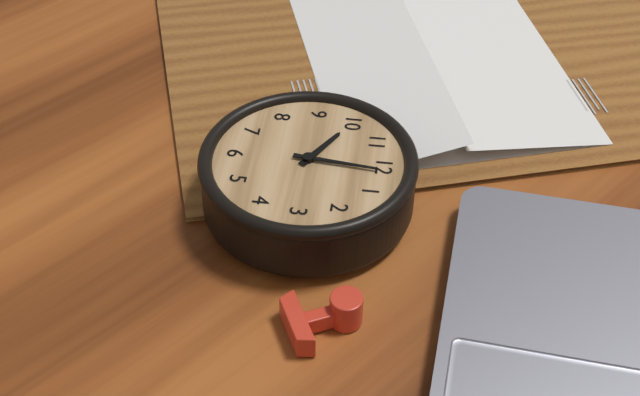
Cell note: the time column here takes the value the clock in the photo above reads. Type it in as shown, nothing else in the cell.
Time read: 10:01
